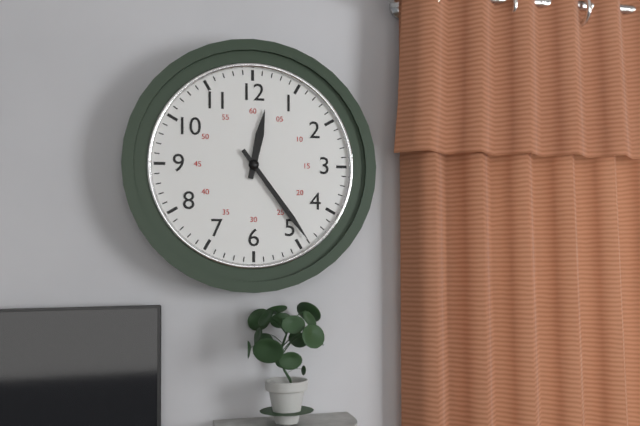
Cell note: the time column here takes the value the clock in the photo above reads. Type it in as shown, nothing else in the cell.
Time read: 12:24
